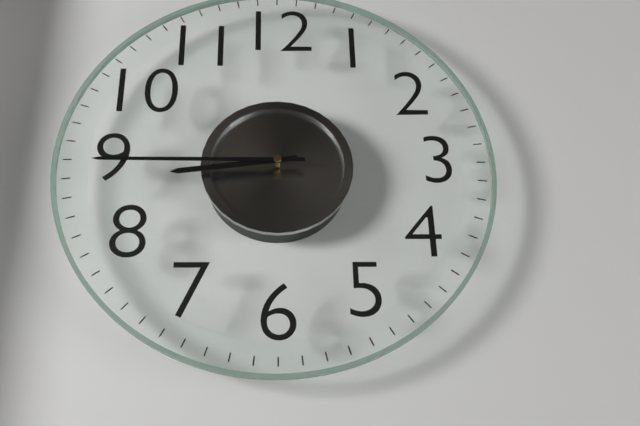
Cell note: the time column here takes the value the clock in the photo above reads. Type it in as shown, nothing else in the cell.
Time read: 8:45
